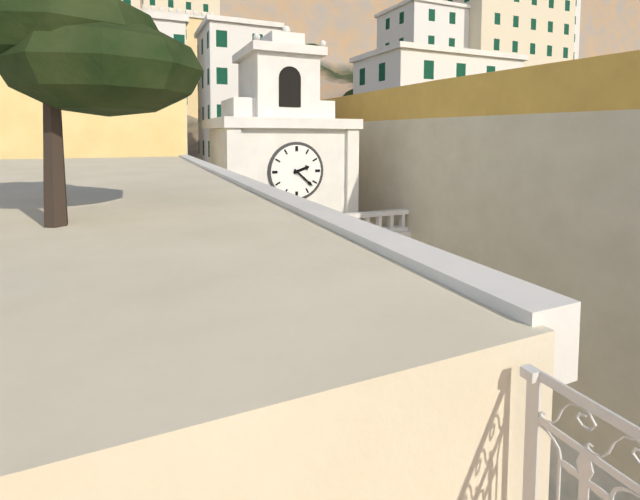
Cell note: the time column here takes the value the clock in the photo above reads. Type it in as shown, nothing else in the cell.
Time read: 2:22
